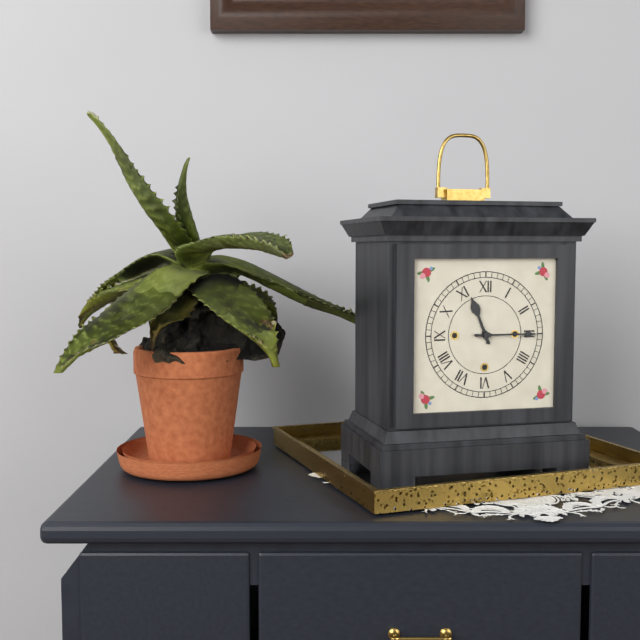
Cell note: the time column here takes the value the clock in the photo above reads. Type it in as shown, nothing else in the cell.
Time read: 11:15
